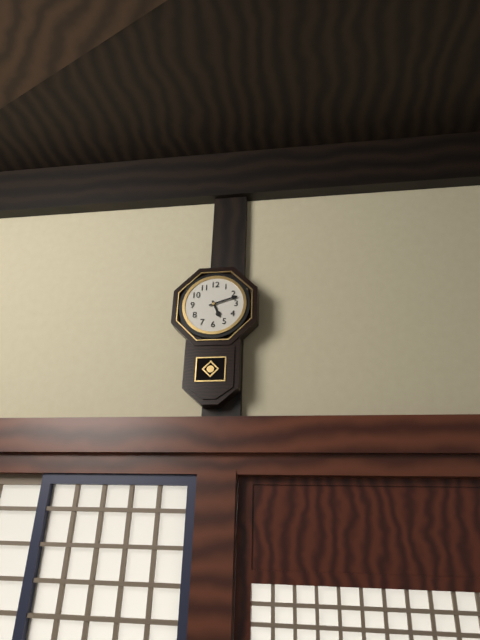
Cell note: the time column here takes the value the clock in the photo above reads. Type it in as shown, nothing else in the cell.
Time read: 5:12
